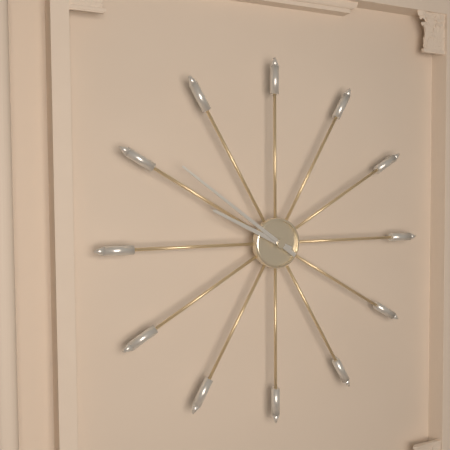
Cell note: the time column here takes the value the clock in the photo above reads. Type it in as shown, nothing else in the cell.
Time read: 9:51
